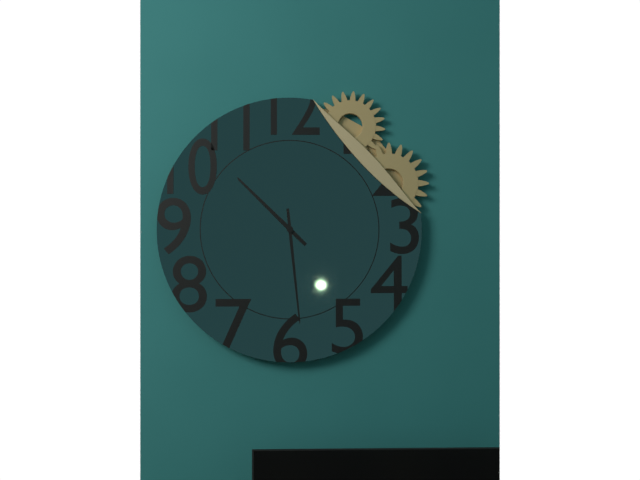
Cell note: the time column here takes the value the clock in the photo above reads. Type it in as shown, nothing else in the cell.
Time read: 10:29
